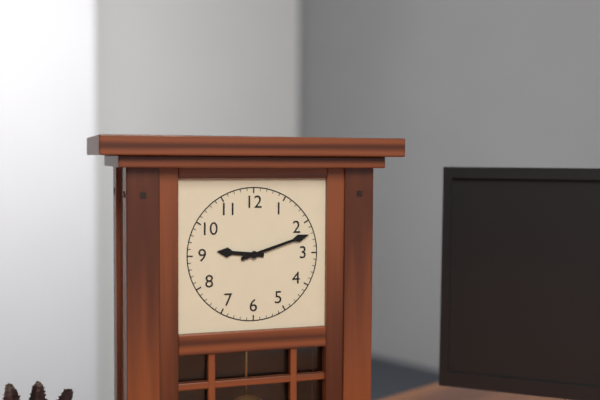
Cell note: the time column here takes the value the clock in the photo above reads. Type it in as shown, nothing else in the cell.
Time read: 9:12
